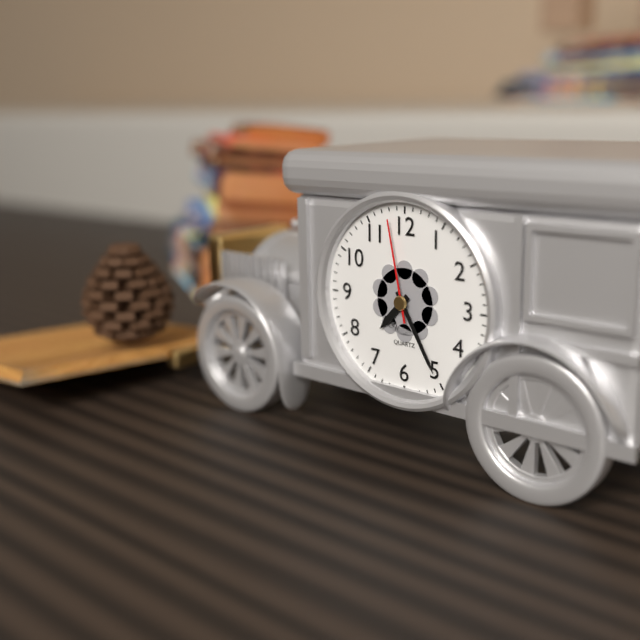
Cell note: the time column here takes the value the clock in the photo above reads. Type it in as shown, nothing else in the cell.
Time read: 7:25:58
